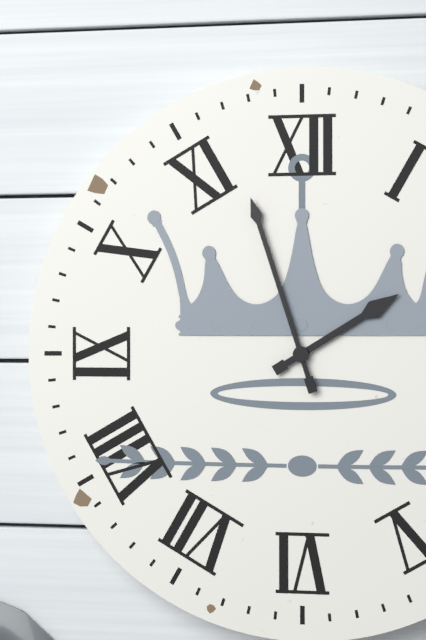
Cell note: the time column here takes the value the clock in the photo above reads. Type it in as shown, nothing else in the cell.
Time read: 1:57
